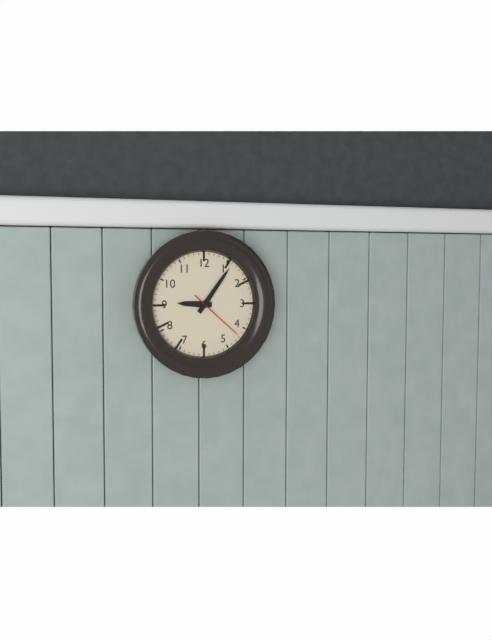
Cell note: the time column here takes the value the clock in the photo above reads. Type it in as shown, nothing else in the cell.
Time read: 9:06:22
